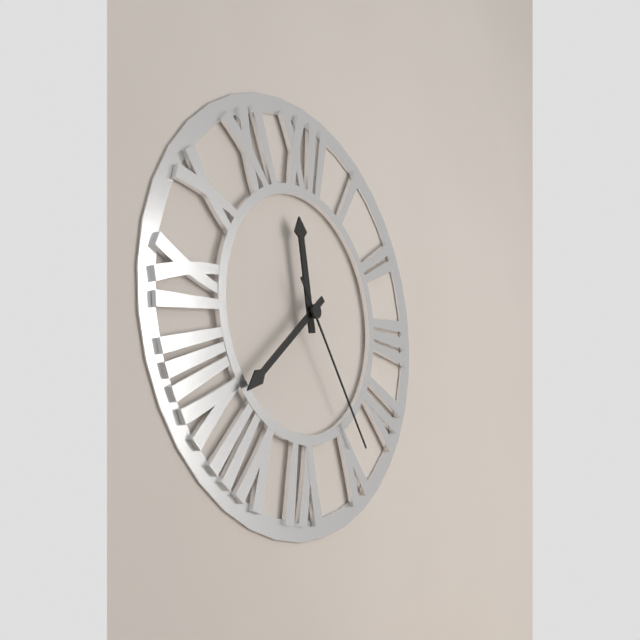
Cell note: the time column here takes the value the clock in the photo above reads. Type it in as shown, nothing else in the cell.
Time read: 11:38:24
